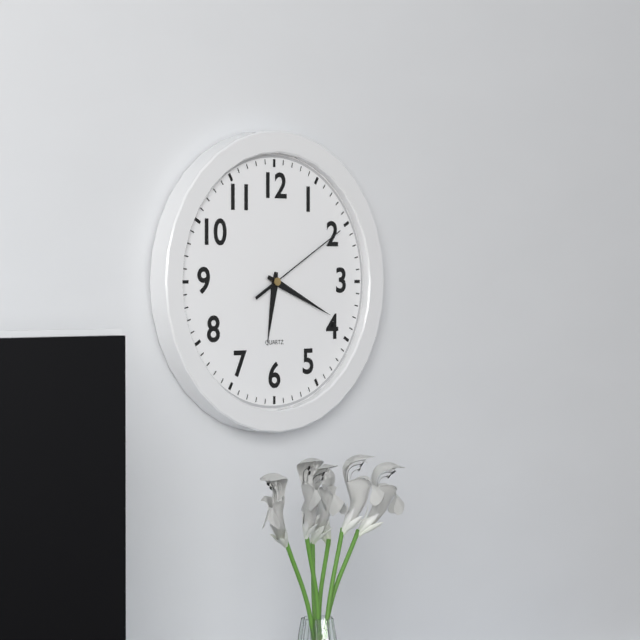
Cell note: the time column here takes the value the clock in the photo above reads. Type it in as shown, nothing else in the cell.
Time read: 6:19:10
